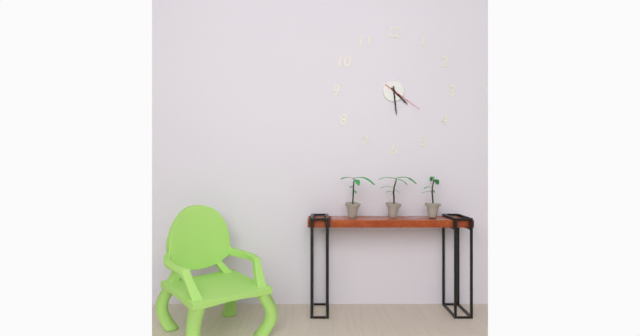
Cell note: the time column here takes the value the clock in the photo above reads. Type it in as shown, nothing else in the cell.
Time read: 4:29
